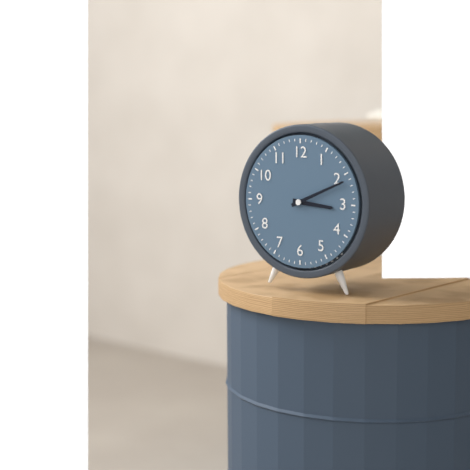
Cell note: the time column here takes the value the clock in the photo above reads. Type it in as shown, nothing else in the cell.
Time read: 3:11
